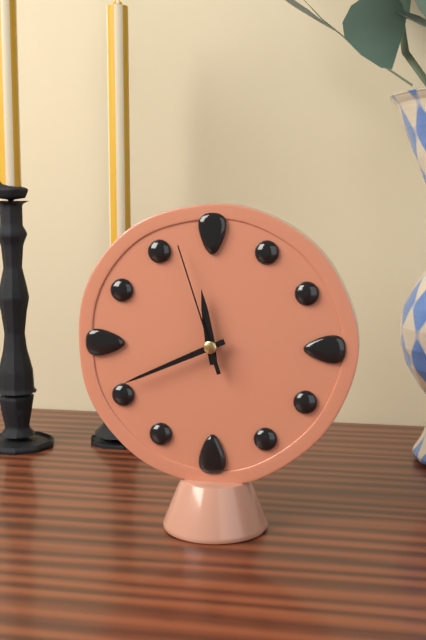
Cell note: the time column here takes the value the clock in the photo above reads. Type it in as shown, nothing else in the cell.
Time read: 11:41:57
